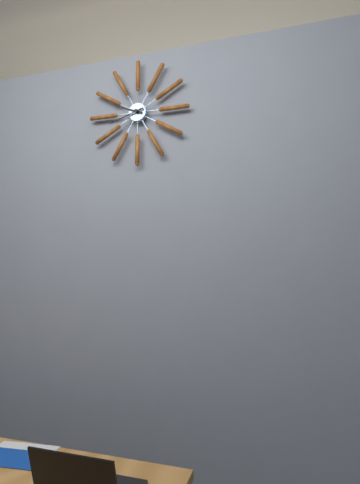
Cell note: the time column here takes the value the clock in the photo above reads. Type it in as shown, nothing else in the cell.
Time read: 9:42
